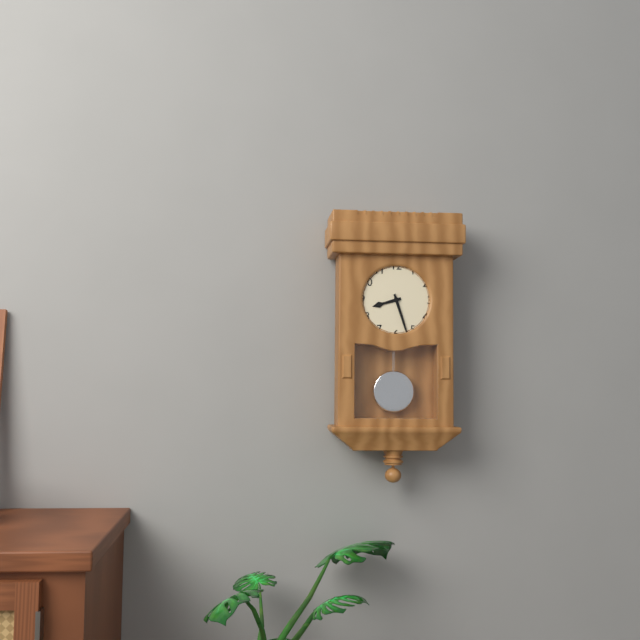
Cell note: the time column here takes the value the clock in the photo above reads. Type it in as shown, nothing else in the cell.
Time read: 8:27
